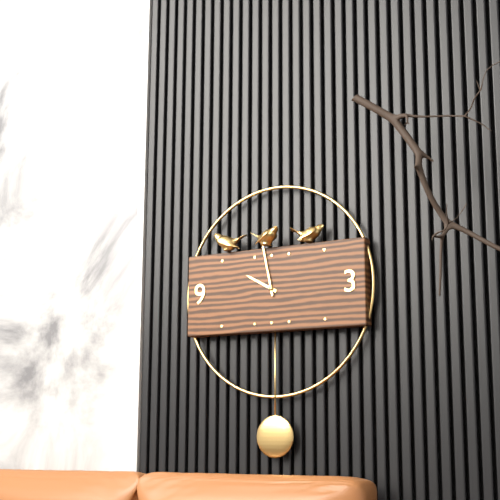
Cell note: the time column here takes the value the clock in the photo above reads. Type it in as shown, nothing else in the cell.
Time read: 9:58
